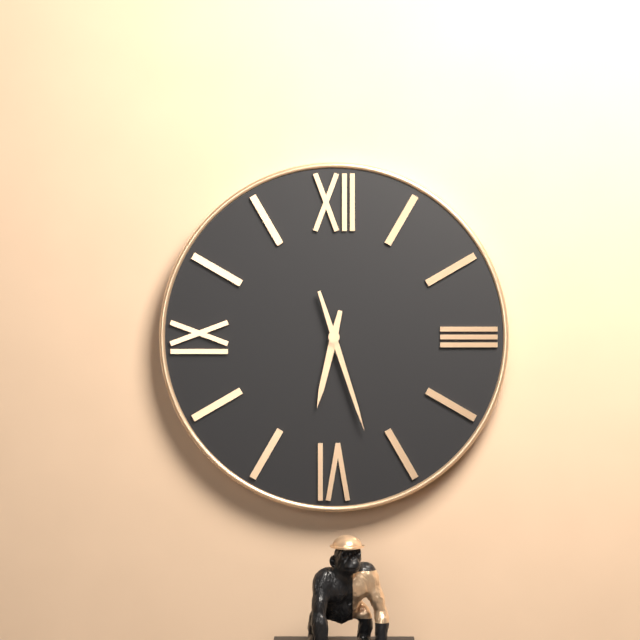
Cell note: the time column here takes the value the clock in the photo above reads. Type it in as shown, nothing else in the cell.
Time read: 6:27
